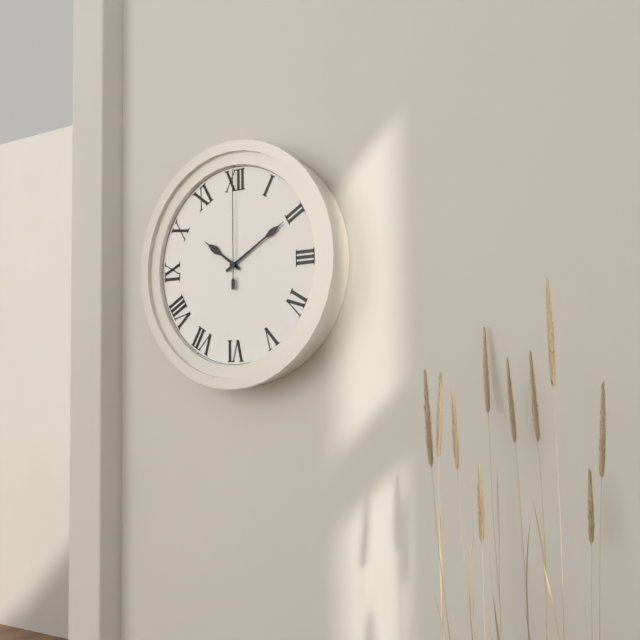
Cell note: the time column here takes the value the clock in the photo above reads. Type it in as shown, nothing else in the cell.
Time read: 10:10:00
